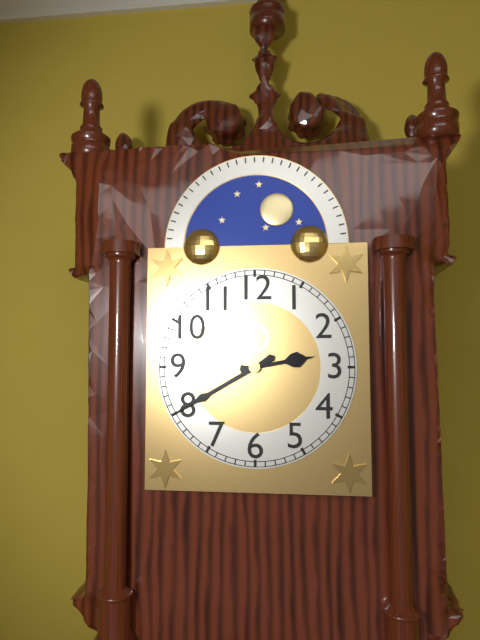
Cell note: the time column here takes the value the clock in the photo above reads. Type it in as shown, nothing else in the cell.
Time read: 2:40
